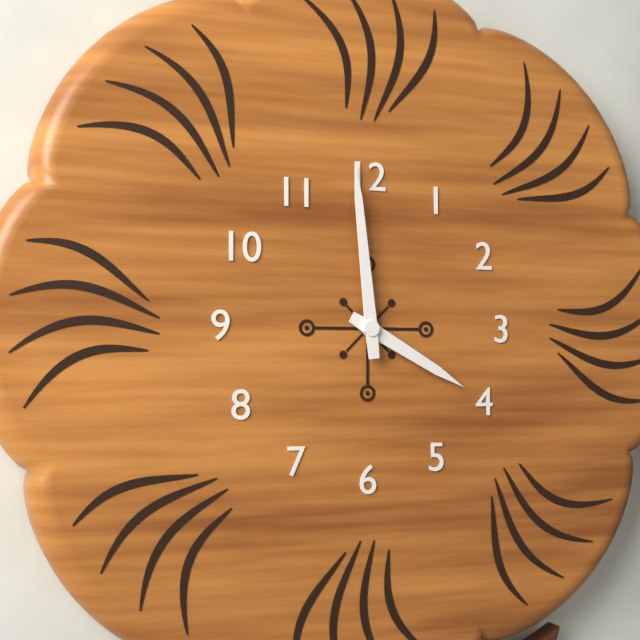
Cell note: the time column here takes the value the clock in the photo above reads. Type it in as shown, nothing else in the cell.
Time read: 3:59
